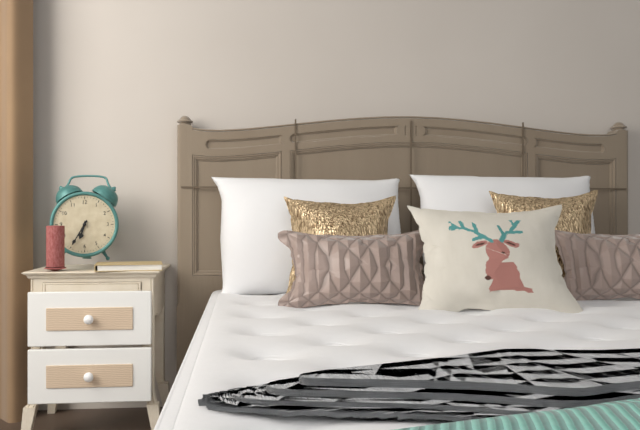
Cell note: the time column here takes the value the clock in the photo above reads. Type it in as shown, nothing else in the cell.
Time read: 6:35
